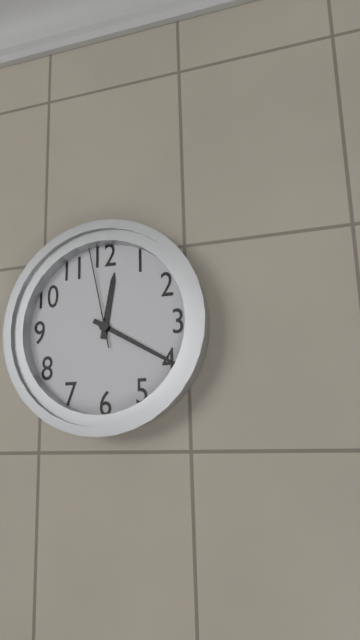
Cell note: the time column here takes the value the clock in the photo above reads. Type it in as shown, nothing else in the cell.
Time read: 12:20:58
